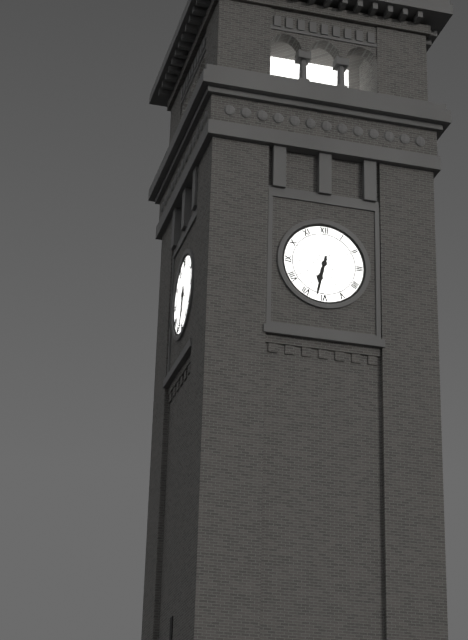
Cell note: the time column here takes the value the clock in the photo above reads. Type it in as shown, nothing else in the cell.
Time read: 6:32
